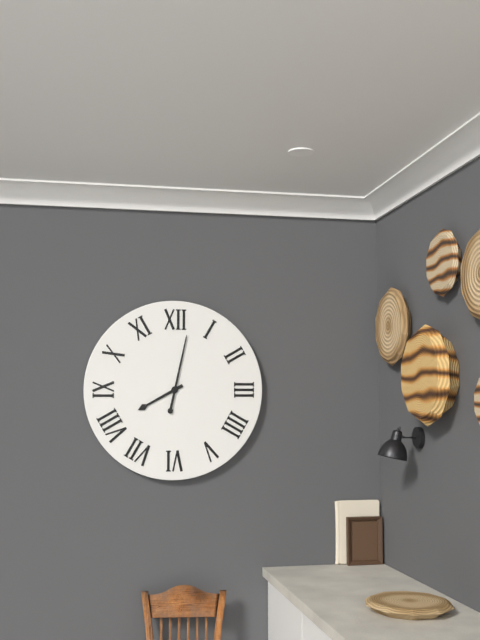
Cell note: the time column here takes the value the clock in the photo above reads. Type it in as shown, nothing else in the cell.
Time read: 8:02
